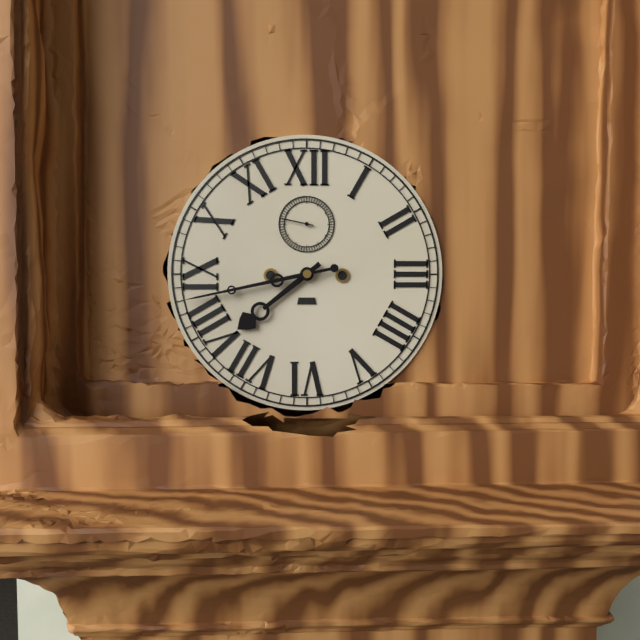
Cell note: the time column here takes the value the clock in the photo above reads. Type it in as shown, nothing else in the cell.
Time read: 7:43
